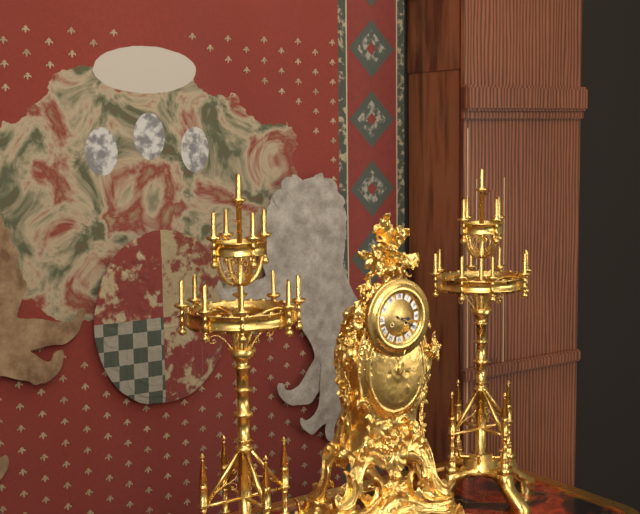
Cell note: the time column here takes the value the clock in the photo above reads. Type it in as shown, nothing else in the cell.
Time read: 3:20
